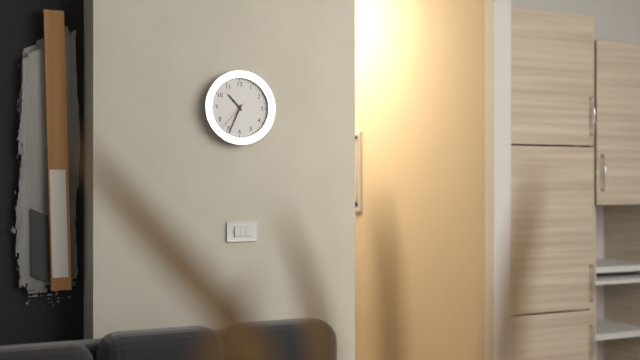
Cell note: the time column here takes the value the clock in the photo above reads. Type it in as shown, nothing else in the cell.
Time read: 10:34
